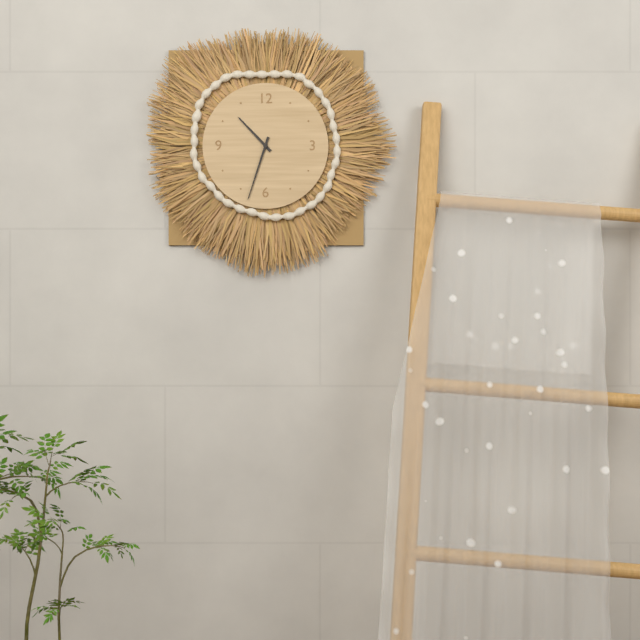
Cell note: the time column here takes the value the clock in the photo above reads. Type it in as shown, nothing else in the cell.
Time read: 10:33
